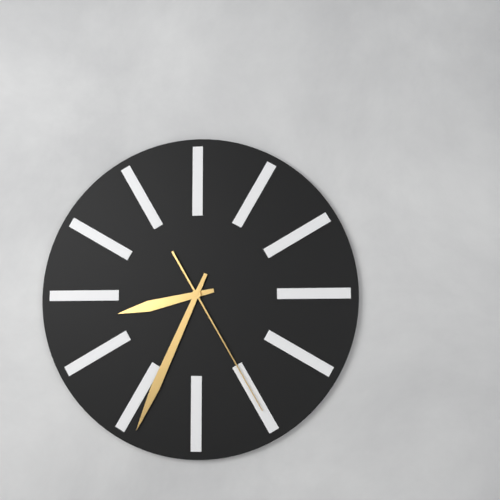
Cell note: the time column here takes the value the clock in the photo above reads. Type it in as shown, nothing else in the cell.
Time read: 8:34:25
